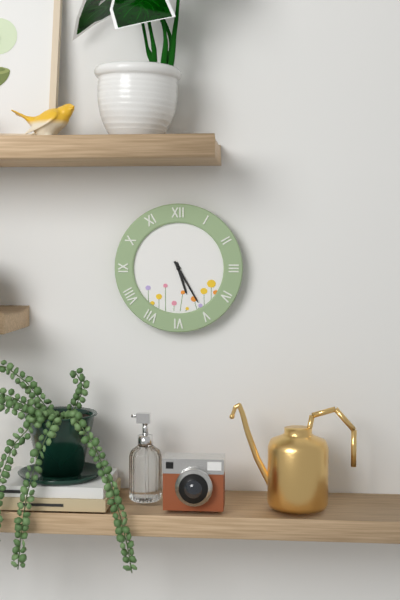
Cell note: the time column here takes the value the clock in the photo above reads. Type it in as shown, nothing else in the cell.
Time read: 5:25
